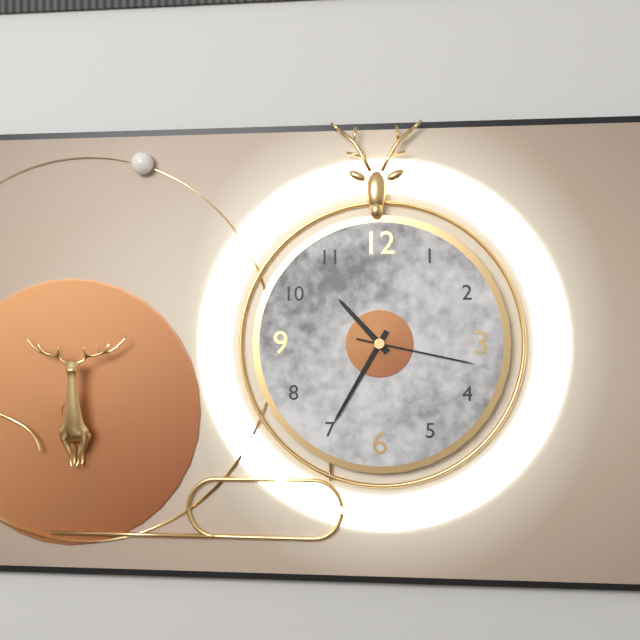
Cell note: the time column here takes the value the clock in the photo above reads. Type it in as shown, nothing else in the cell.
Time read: 10:35:17
